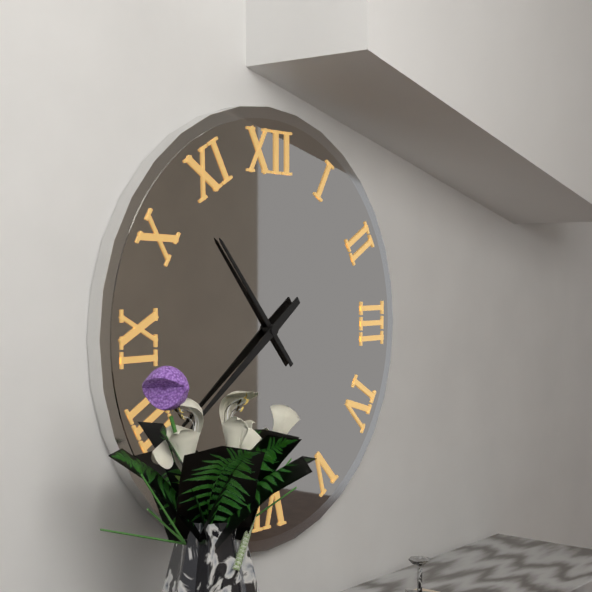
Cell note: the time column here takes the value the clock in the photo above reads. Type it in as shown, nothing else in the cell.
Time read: 10:39
